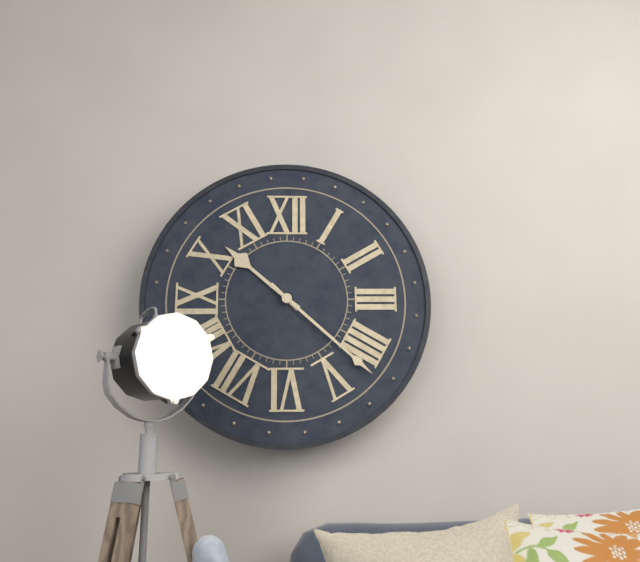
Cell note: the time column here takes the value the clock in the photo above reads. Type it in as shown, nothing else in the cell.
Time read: 10:22
